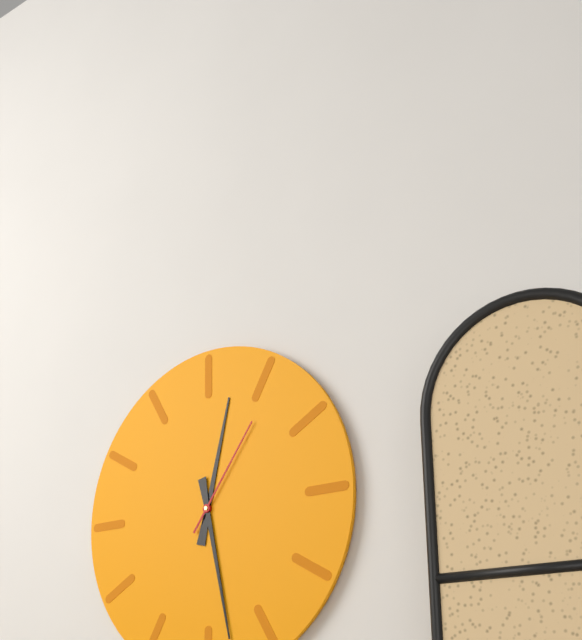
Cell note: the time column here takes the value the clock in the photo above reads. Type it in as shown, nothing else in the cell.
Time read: 12:28:06
